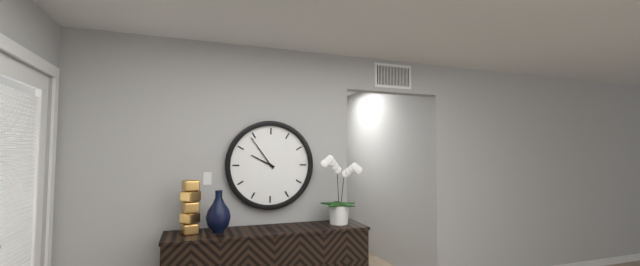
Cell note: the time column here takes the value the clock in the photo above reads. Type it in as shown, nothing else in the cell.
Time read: 9:54
